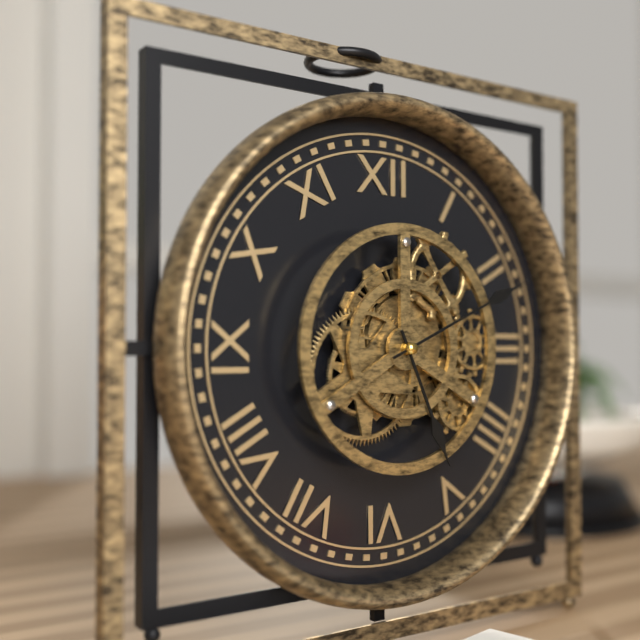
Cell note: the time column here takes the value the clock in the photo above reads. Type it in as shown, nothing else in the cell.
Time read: 5:11
